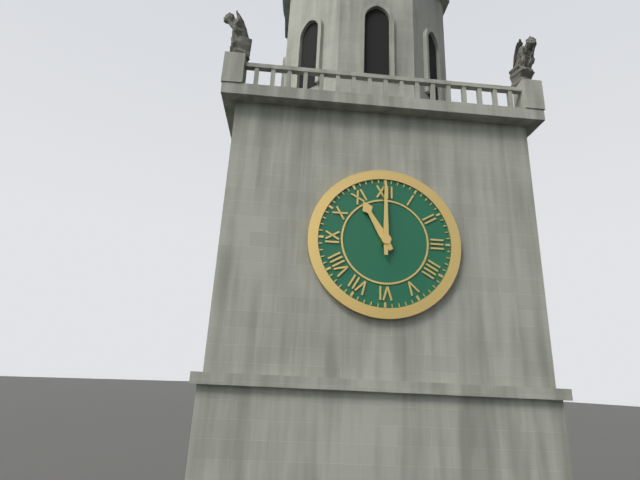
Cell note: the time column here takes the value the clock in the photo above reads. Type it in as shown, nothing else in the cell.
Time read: 11:00
